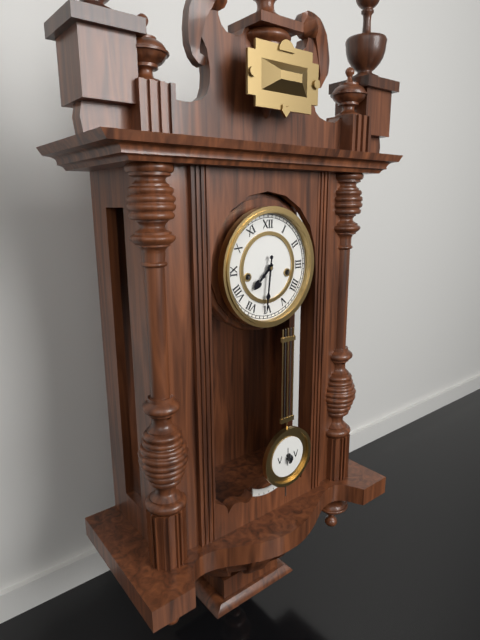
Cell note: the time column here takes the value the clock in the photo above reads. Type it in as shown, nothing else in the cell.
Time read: 7:31
